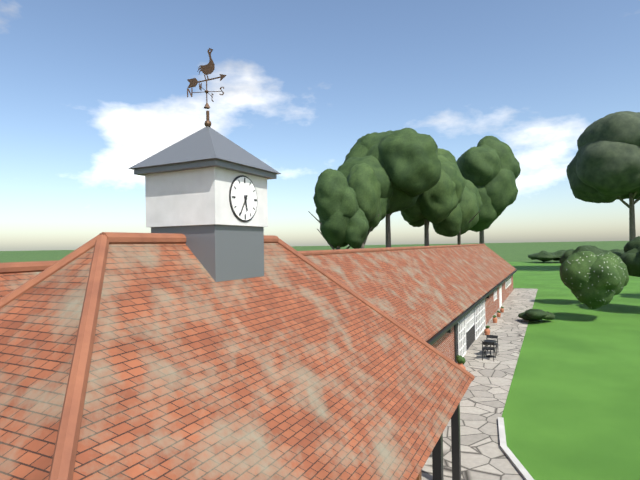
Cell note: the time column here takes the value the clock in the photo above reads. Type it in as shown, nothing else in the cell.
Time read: 5:35
